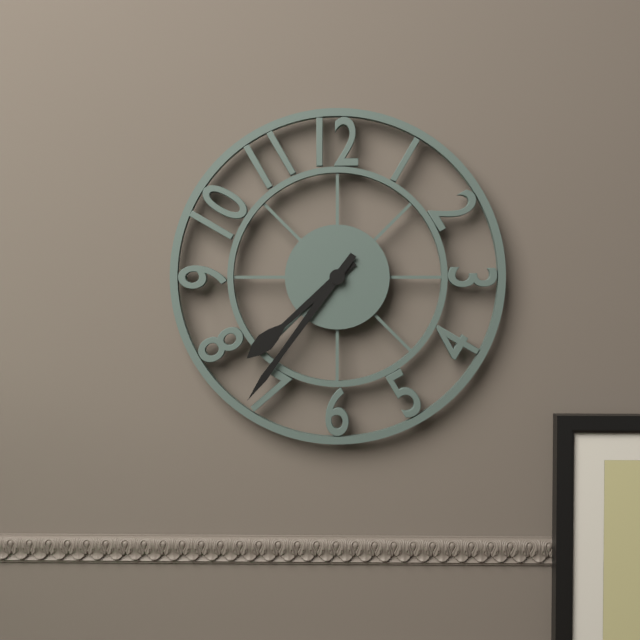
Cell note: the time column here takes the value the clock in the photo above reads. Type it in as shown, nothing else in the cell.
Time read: 7:36
